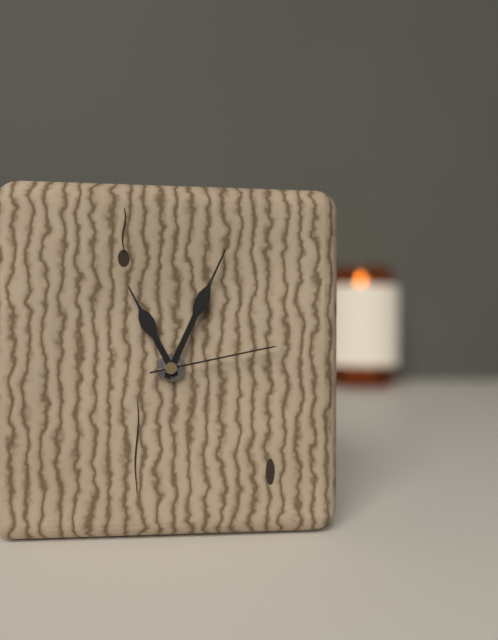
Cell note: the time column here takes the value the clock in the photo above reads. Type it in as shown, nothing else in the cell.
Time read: 11:04:13
